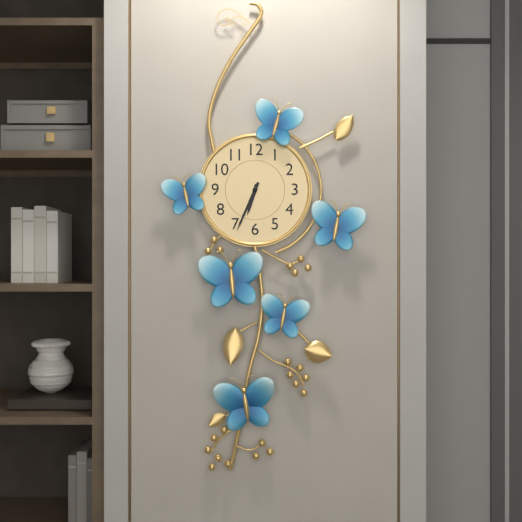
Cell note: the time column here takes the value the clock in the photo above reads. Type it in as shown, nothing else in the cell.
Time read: 6:34
